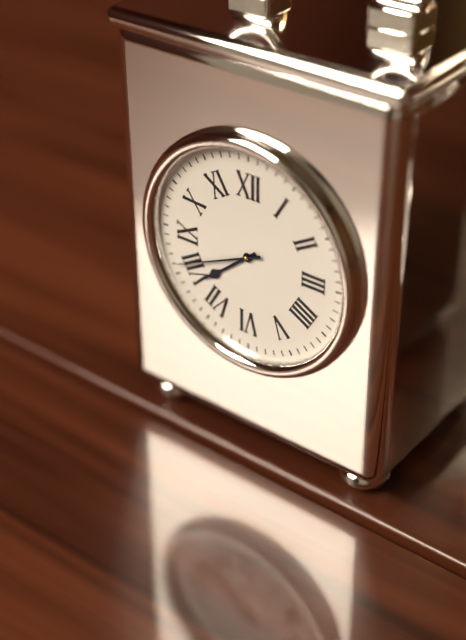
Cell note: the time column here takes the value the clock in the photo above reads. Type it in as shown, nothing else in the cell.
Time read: 7:41
